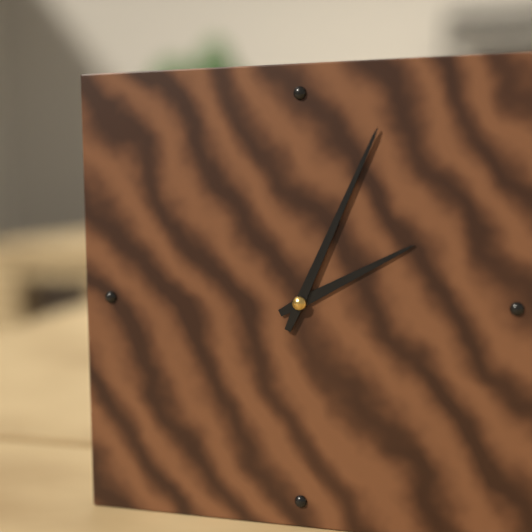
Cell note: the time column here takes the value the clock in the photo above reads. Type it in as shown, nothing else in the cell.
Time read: 2:04
